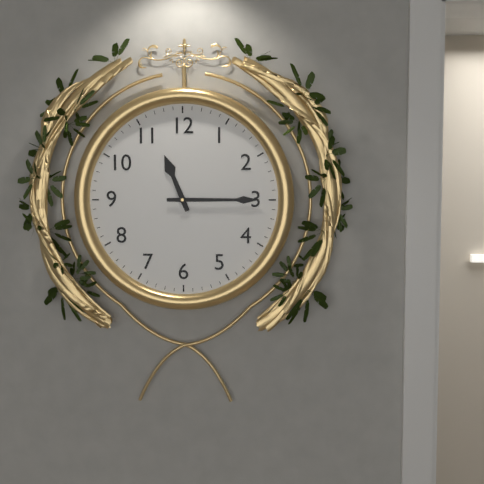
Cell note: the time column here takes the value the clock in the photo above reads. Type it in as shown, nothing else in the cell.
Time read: 11:15
